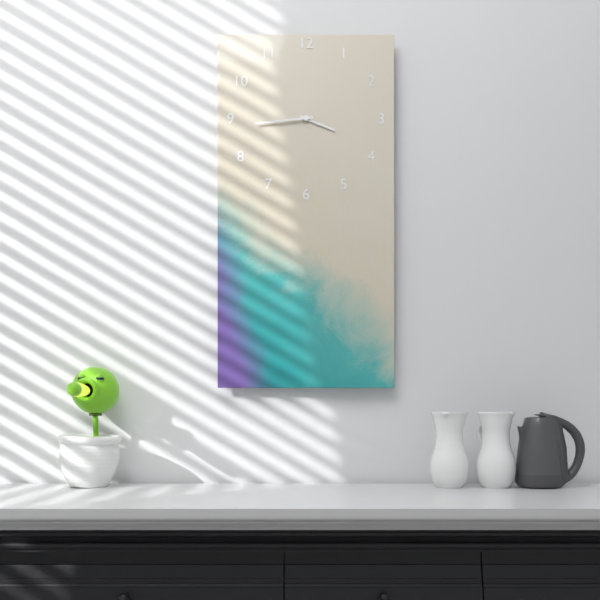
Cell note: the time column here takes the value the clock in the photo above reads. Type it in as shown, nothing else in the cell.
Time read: 3:44
